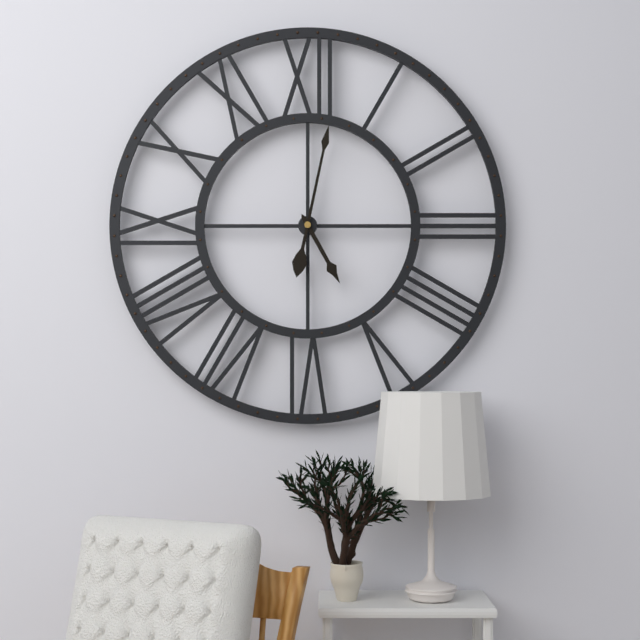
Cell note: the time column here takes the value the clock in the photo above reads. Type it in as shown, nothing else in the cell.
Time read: 5:02
